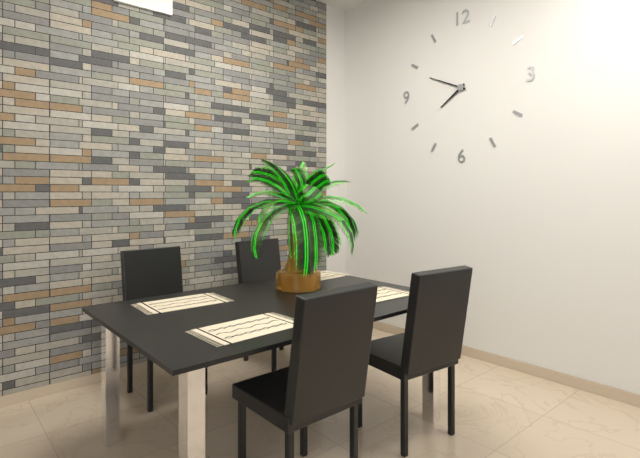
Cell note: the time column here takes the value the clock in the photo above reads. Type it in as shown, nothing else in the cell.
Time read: 7:49
